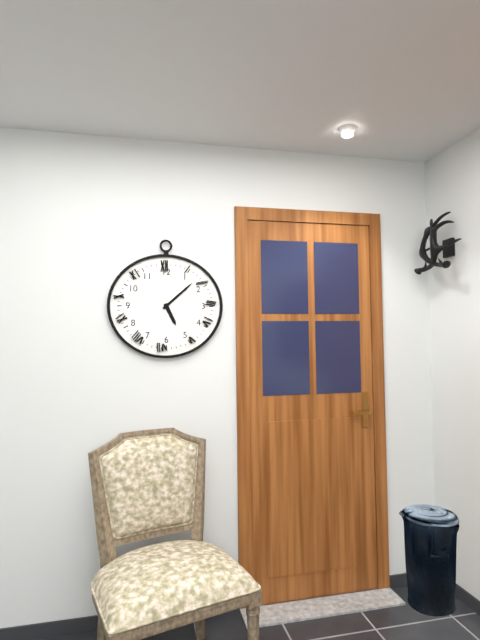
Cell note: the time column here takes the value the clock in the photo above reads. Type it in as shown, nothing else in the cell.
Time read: 5:08
